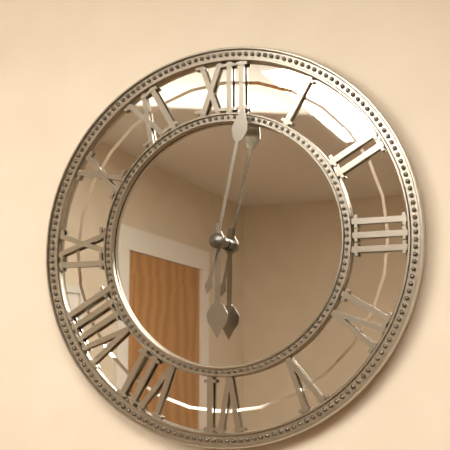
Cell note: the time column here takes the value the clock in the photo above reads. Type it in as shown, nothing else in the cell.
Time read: 6:02
